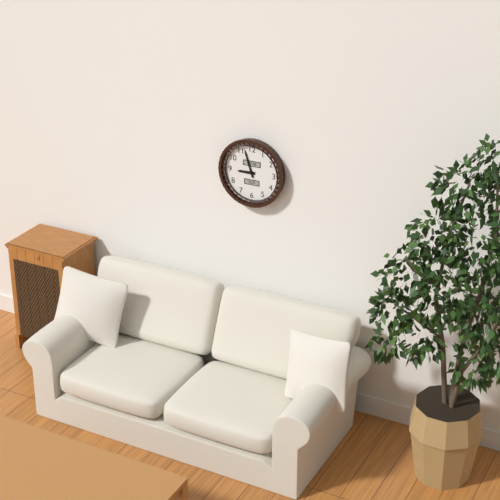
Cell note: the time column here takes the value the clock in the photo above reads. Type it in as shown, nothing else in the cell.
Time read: 8:57
